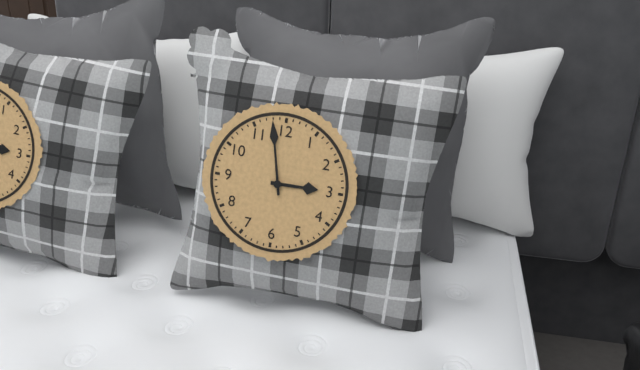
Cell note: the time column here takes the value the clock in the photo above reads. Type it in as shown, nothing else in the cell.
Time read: 2:58
